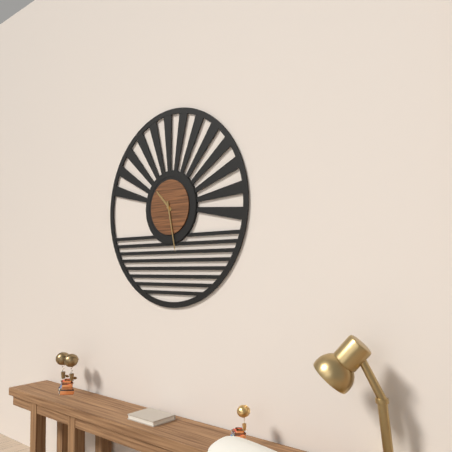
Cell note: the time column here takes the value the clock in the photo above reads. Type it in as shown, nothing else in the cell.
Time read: 10:28
